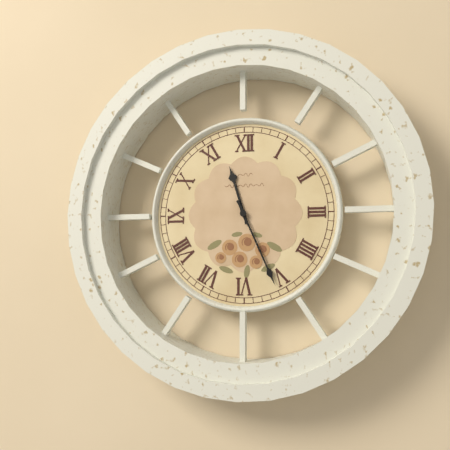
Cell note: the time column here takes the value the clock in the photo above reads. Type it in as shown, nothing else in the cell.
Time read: 11:26
